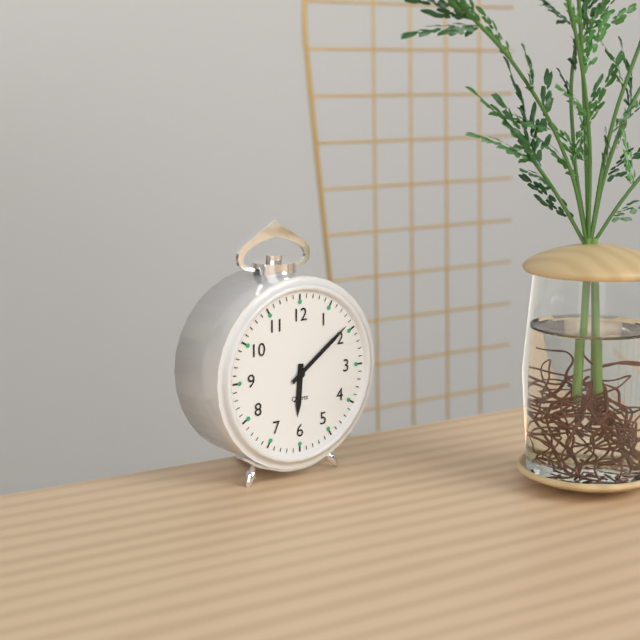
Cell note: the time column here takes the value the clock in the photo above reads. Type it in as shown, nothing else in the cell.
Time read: 6:09
